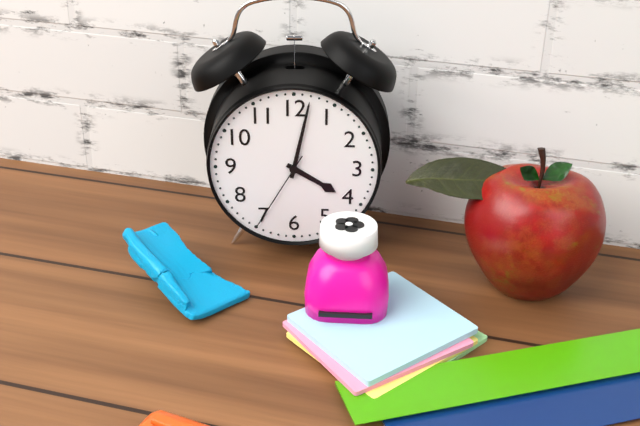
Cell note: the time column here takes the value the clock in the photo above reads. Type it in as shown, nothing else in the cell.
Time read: 4:02:35
